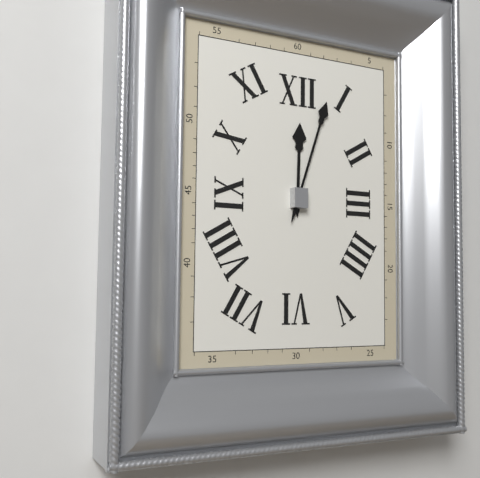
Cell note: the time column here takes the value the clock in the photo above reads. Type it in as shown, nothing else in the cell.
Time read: 12:03
